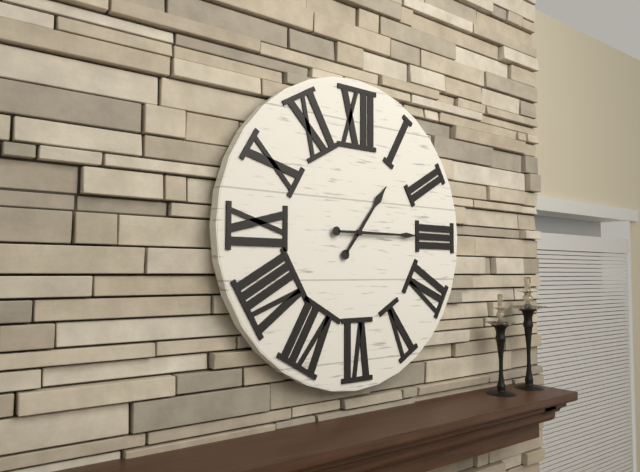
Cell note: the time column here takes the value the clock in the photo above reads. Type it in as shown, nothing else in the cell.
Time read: 1:15
